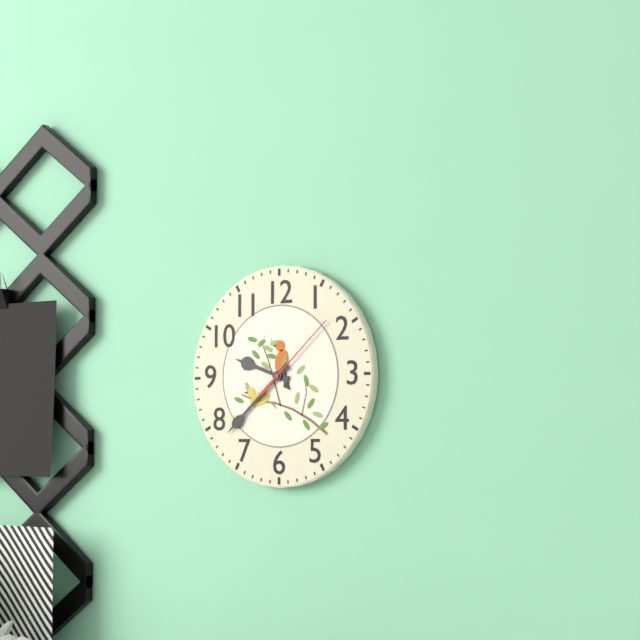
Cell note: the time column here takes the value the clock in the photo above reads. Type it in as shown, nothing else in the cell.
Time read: 9:38:08
